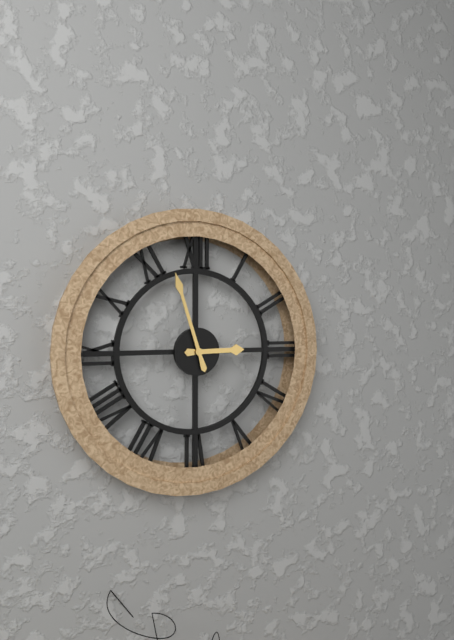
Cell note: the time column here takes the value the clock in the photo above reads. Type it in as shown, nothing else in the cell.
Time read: 2:57
